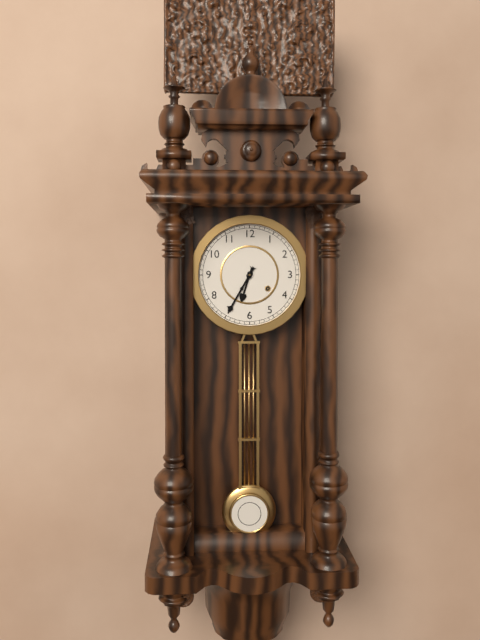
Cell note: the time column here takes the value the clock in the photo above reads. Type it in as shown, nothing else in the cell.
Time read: 6:35
